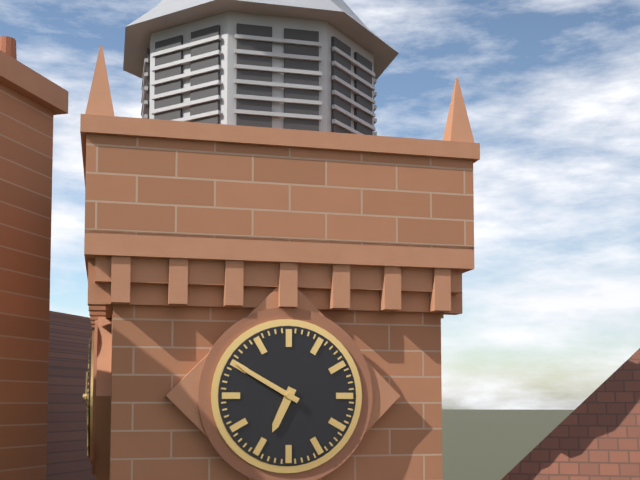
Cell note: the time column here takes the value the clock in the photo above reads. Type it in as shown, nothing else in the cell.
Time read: 6:50
